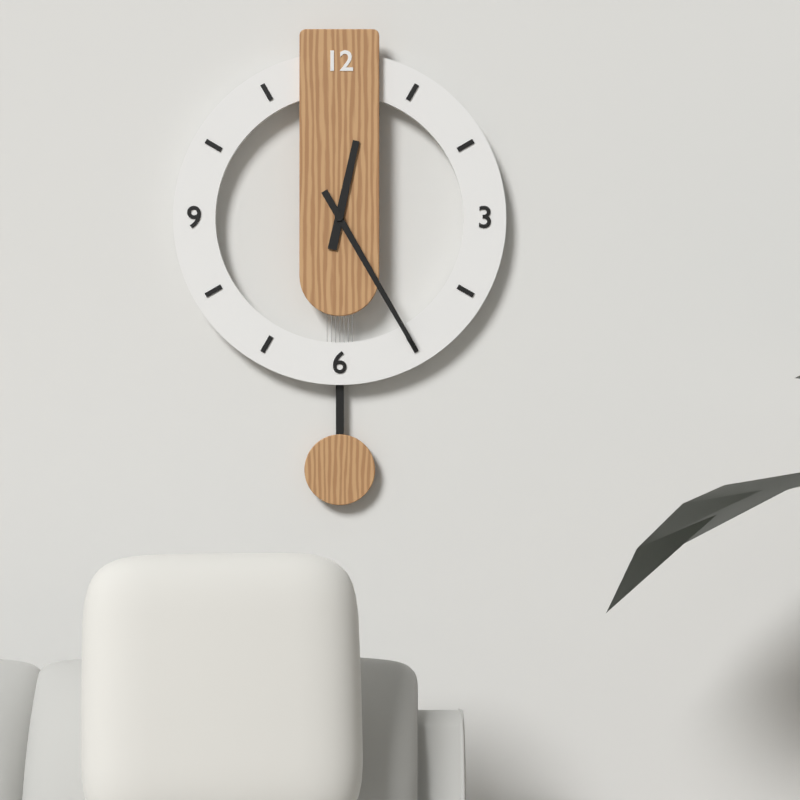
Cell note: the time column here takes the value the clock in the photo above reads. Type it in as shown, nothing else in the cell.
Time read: 12:25
